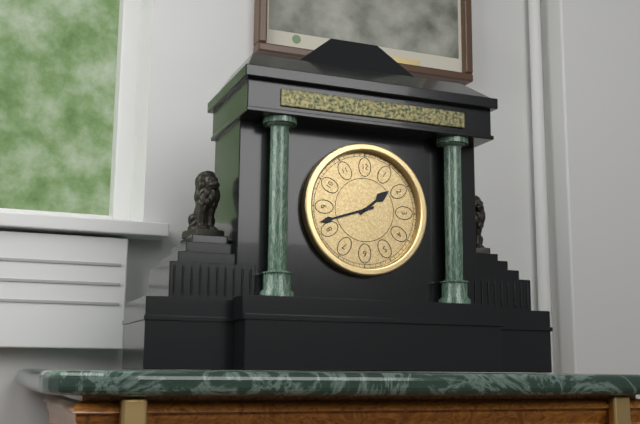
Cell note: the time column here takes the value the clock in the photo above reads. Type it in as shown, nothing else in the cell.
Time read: 1:42
